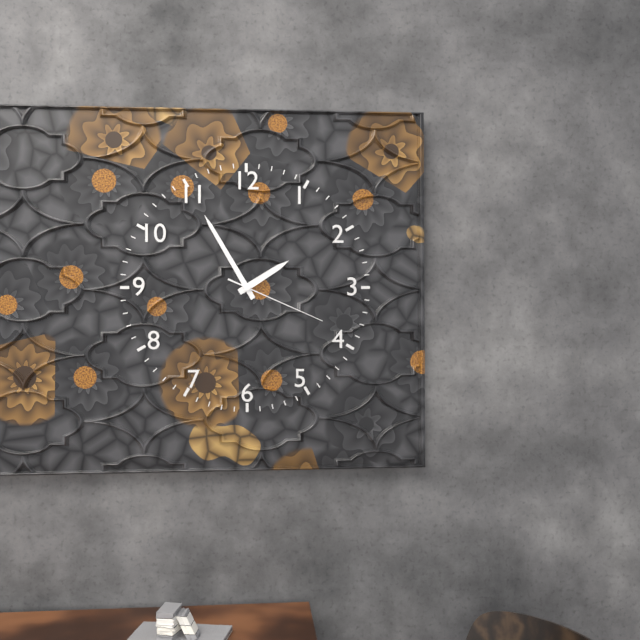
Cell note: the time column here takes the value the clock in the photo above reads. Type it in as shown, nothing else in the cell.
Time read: 1:55:19
